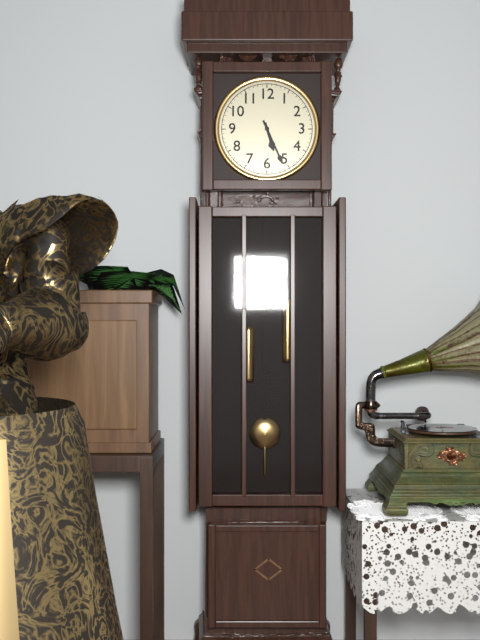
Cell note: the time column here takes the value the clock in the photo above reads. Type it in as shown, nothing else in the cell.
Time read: 5:26
